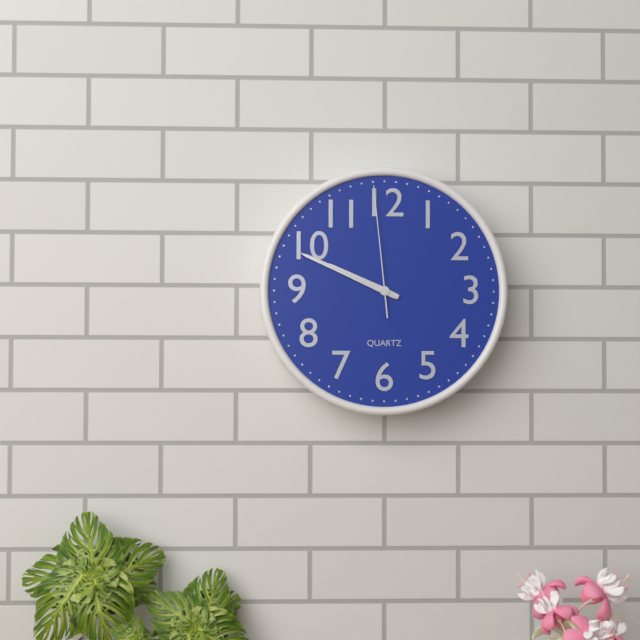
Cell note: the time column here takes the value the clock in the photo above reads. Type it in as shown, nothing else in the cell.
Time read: 9:49:59
